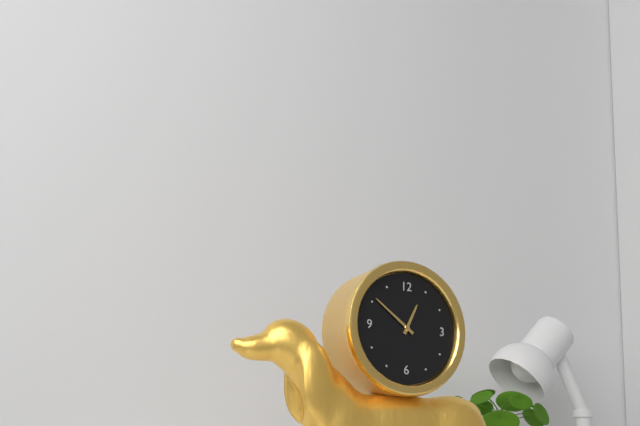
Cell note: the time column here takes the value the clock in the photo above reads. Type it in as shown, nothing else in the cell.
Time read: 12:51
